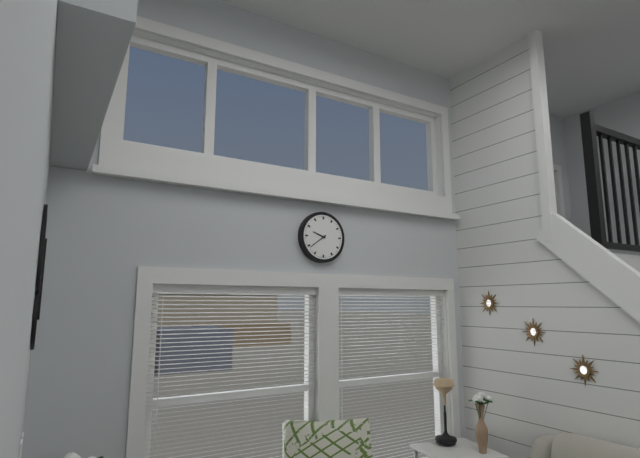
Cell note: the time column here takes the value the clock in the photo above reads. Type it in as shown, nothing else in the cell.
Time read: 9:39
